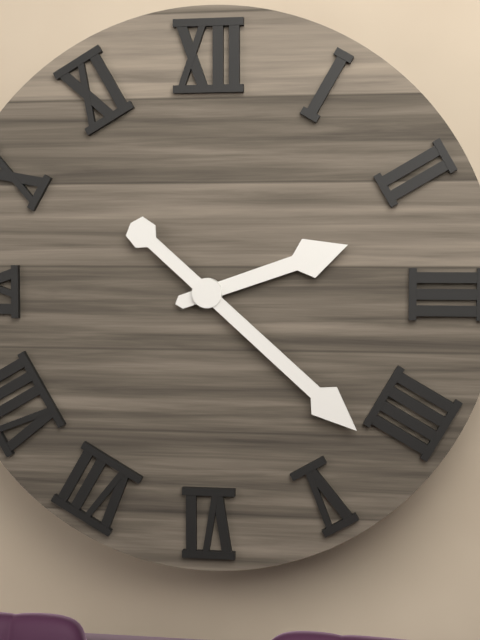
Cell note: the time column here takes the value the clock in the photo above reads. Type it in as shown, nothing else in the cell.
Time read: 2:22
